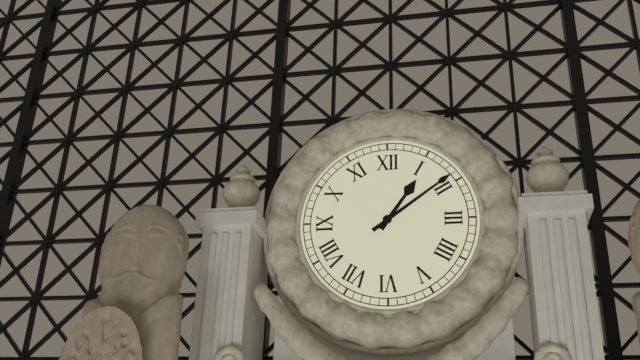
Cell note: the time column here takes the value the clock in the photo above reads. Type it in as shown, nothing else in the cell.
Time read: 1:09
